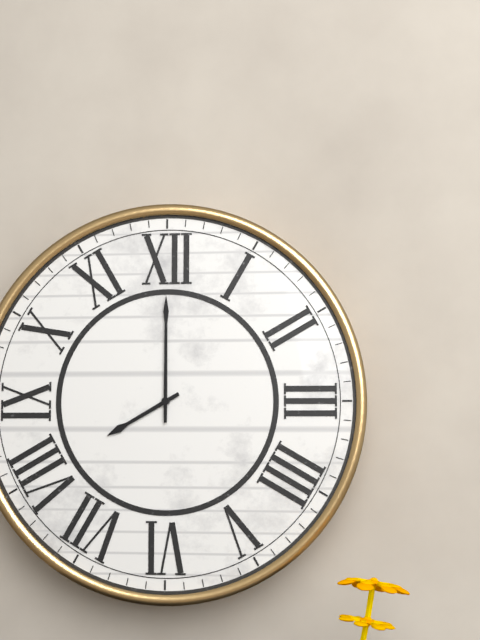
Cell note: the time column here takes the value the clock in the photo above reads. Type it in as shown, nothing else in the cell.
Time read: 8:00
